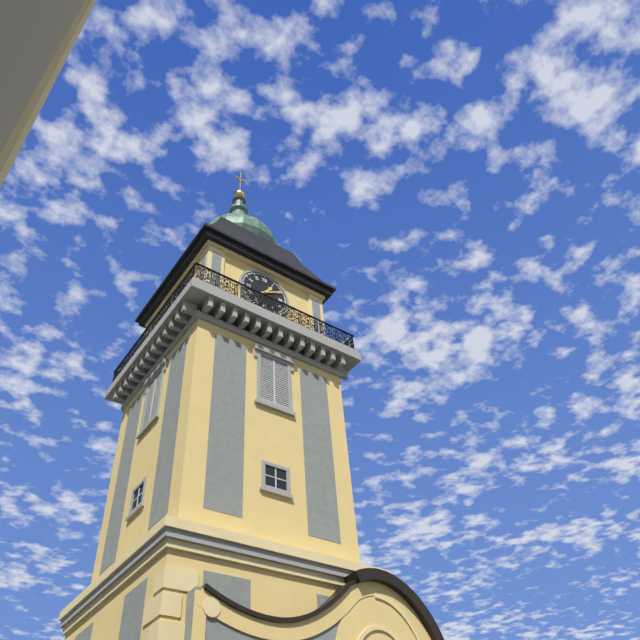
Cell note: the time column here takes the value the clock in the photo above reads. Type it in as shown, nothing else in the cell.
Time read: 1:10
